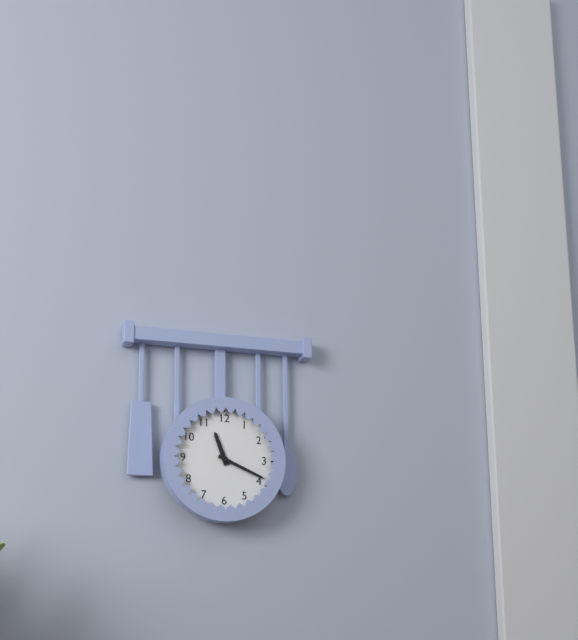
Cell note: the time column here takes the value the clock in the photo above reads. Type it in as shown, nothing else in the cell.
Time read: 11:19
